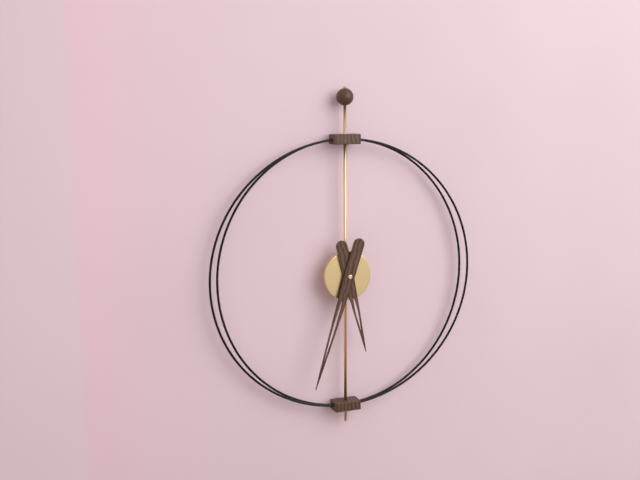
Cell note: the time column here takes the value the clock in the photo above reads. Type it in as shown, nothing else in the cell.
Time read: 5:33
